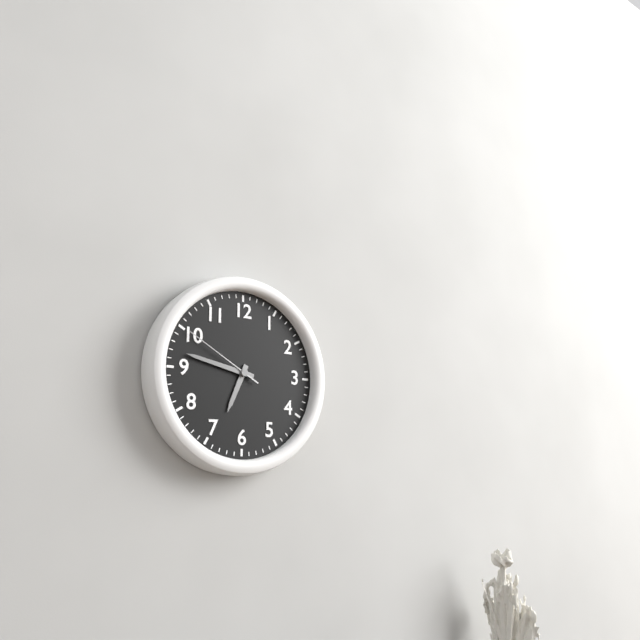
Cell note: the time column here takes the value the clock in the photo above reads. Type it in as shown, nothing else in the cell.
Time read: 6:47:50
